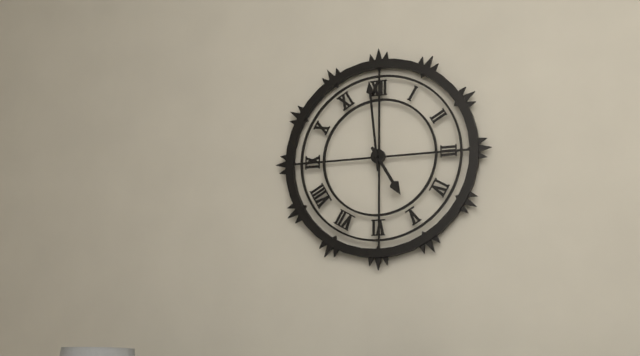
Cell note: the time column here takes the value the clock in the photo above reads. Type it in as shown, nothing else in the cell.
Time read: 4:59
